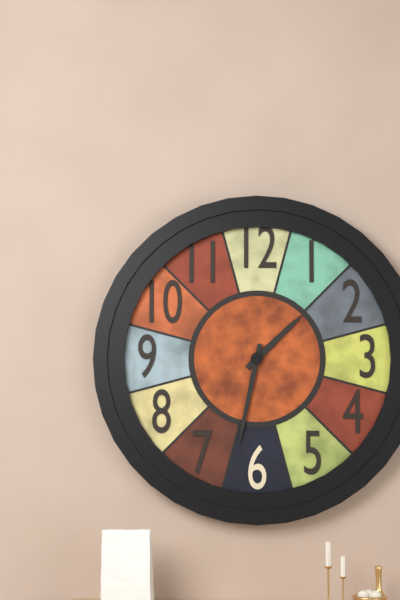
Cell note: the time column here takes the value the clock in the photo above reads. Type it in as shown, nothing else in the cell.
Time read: 1:32
